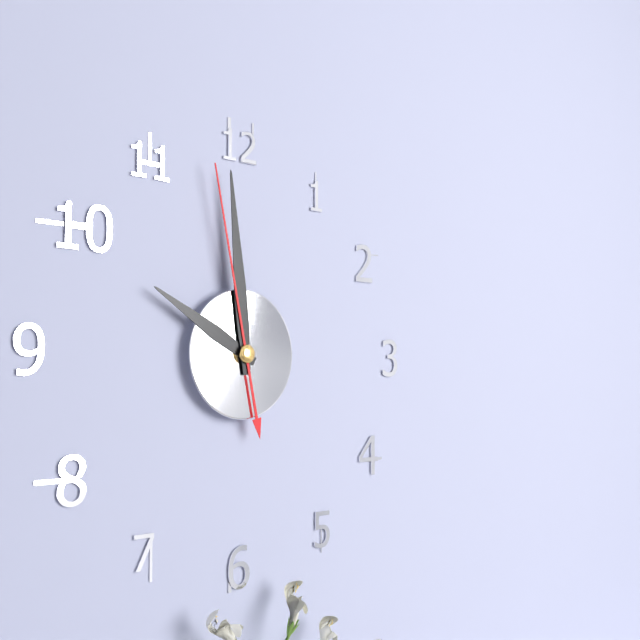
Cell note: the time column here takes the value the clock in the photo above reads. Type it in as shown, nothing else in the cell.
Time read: 9:59:58
